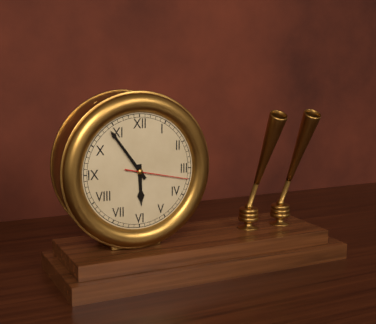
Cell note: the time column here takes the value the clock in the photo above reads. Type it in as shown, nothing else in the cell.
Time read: 5:54:17
